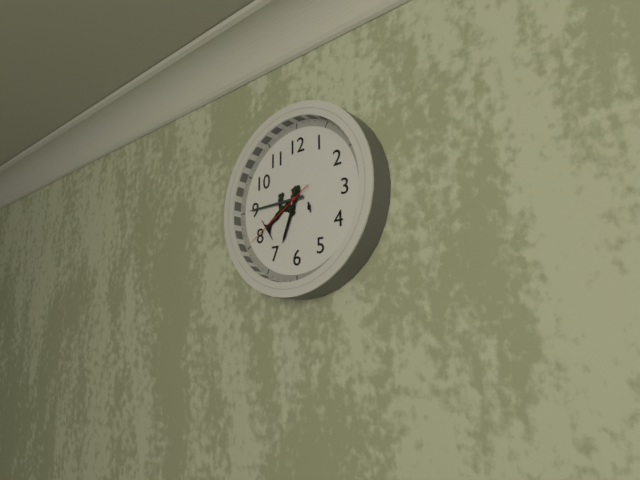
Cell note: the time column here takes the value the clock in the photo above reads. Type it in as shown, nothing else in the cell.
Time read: 6:45:40
